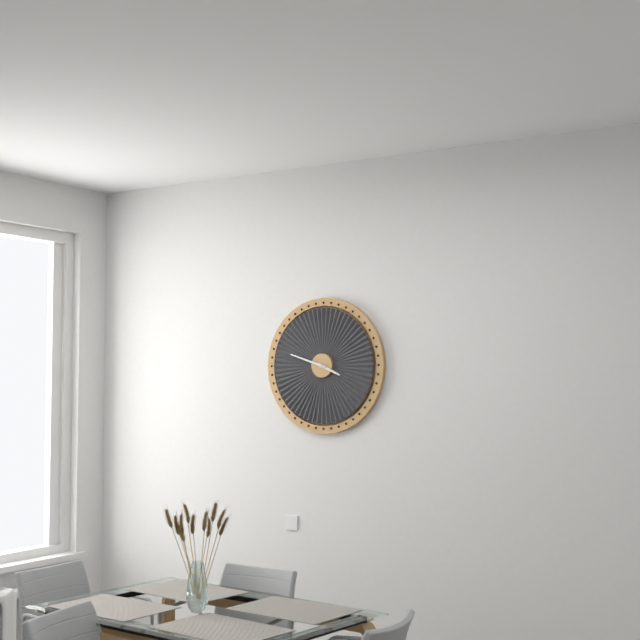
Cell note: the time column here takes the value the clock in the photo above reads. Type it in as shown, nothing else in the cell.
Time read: 3:48
